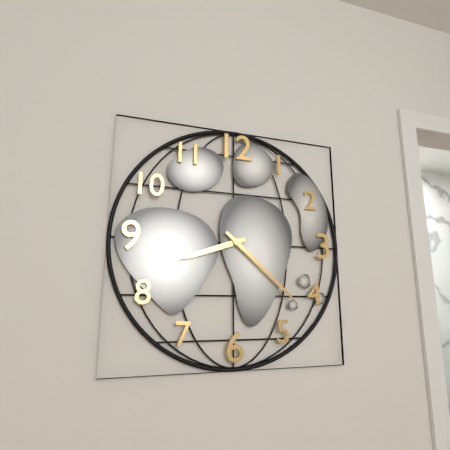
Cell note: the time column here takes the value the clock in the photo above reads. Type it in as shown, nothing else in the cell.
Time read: 8:22
